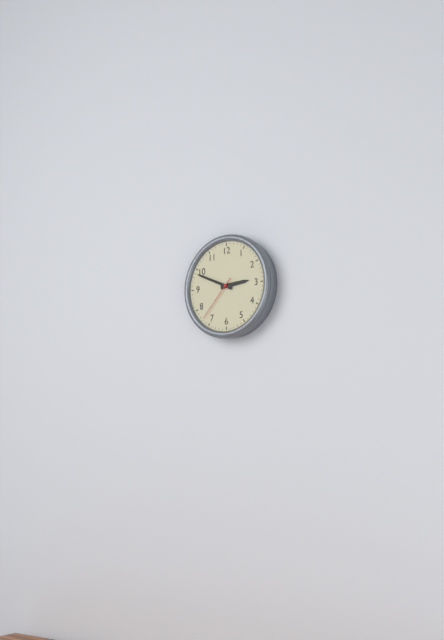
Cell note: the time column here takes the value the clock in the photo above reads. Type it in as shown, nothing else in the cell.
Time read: 2:49
